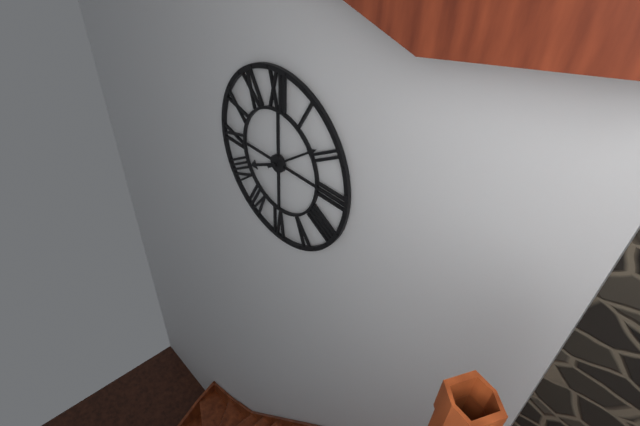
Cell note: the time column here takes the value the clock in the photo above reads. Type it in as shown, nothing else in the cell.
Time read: 8:09
